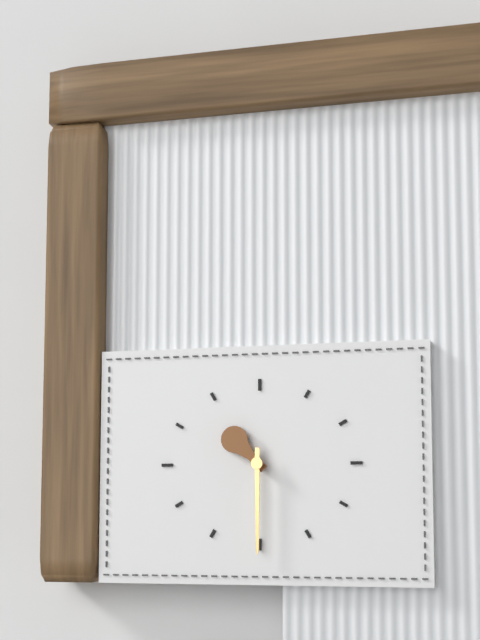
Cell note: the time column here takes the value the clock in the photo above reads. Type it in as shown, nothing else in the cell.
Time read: 10:30
